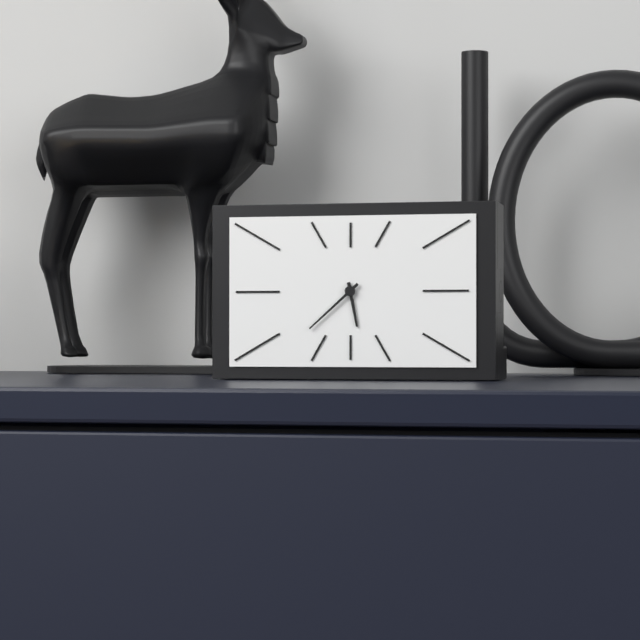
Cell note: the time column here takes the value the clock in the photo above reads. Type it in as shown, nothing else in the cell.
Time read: 5:38
